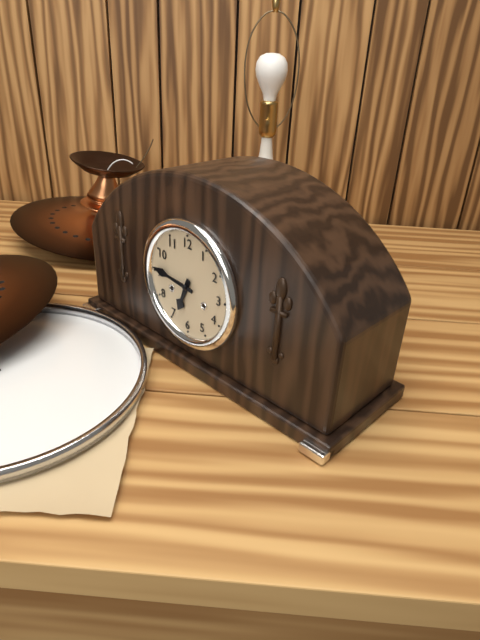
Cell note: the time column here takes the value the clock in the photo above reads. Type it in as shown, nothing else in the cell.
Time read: 6:46
